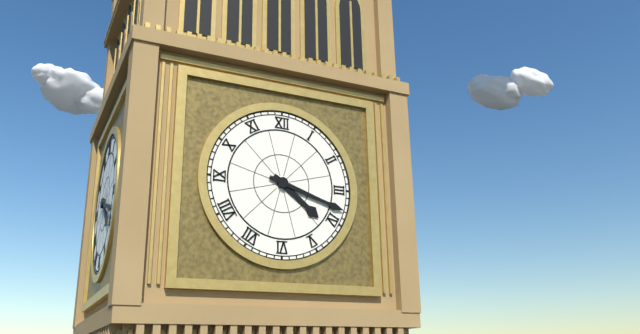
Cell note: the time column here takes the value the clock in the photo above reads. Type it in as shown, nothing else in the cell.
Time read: 4:18
